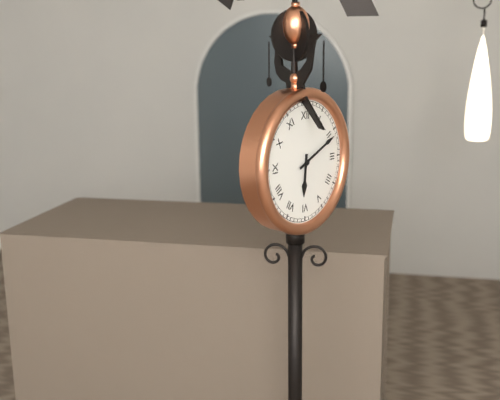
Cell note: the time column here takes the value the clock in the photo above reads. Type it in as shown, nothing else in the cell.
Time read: 6:11
